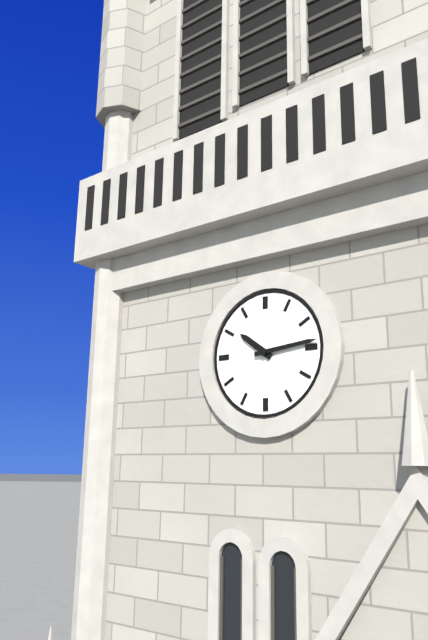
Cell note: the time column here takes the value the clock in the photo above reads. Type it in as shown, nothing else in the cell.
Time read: 10:14
